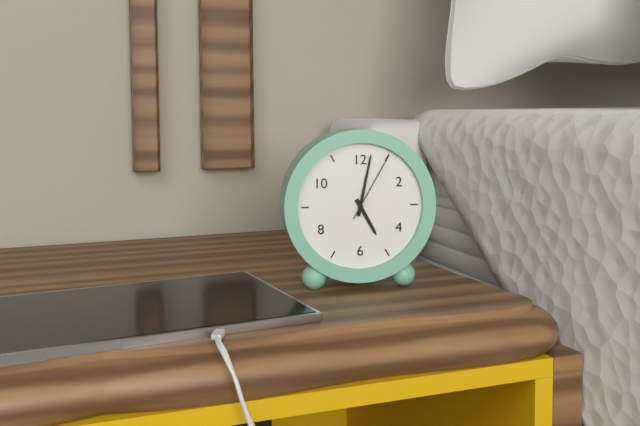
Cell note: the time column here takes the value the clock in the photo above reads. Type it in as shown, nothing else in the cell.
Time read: 5:02:05
